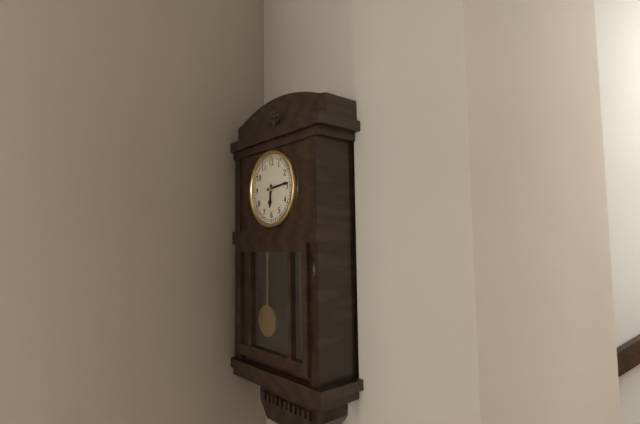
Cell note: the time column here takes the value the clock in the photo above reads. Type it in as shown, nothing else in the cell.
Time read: 6:14
